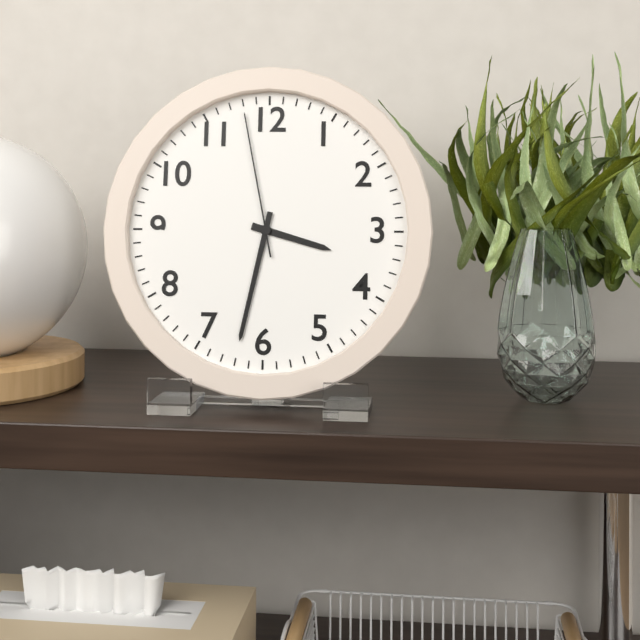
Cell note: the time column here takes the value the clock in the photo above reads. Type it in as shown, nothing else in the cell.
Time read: 3:32:58
